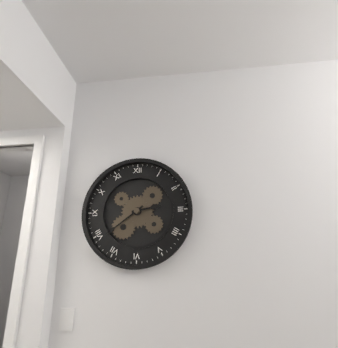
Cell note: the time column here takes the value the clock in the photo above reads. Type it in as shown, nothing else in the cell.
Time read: 2:39
